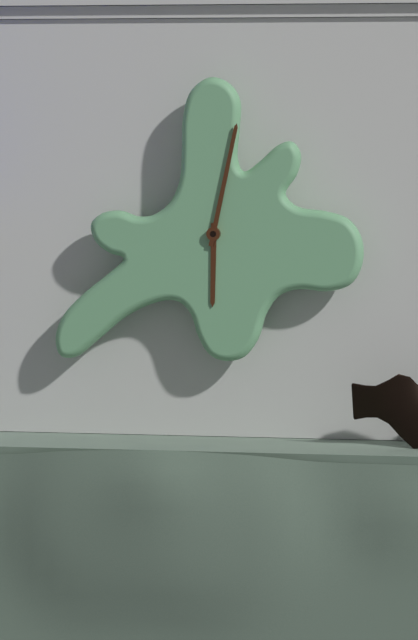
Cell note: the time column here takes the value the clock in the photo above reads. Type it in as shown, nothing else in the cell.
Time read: 6:02
